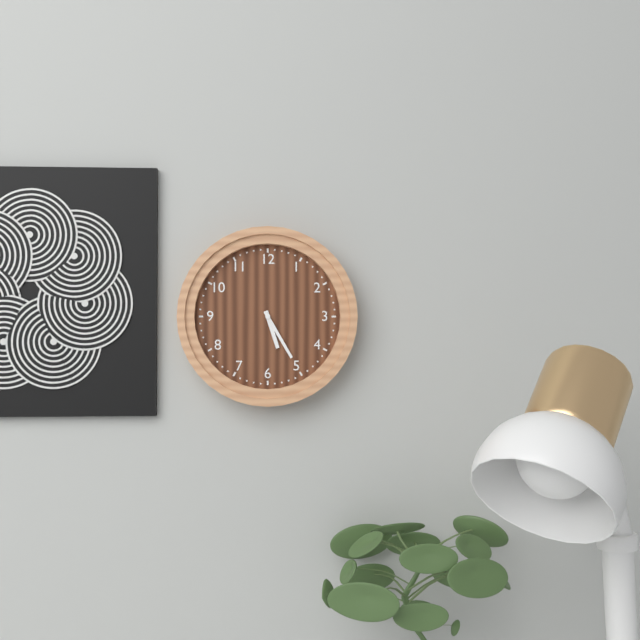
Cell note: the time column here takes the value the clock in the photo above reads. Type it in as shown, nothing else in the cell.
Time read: 5:25
